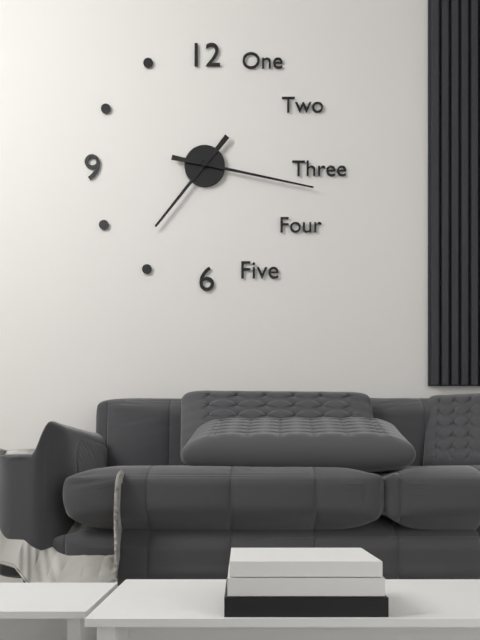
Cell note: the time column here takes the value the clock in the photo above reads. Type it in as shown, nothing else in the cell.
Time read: 7:17
